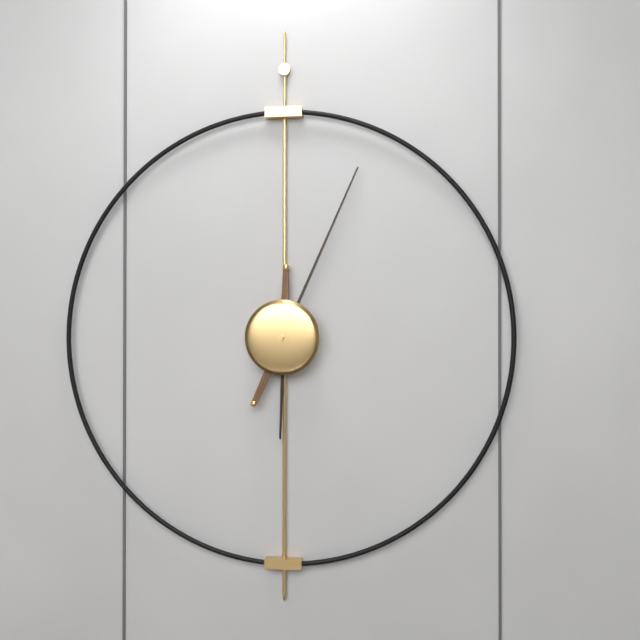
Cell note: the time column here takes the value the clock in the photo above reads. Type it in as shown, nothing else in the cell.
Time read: 6:04
